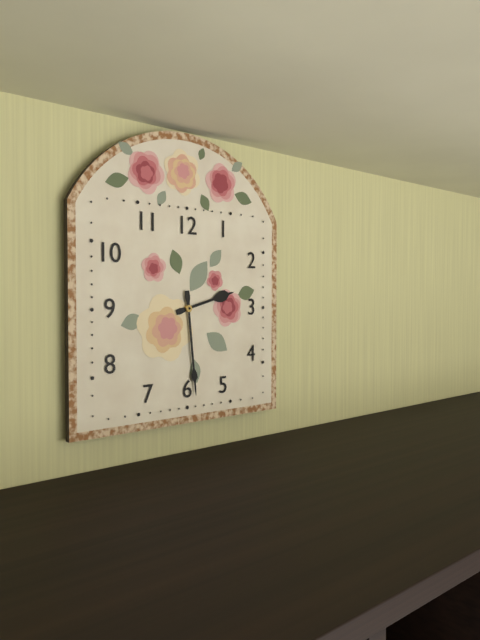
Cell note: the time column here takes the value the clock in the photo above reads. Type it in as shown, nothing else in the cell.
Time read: 2:29
